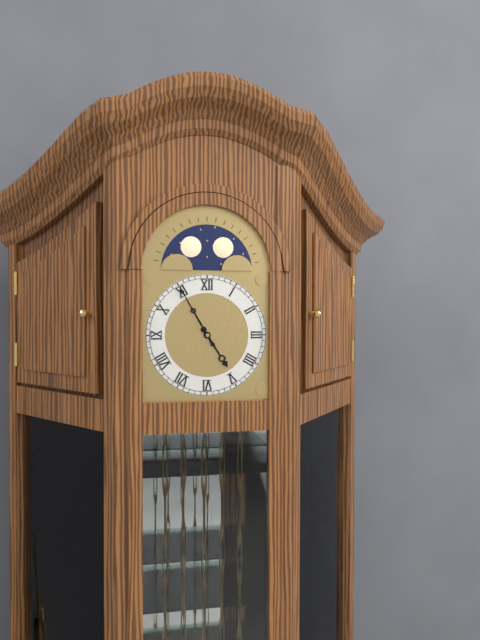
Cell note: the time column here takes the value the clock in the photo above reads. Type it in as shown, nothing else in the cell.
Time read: 4:55
